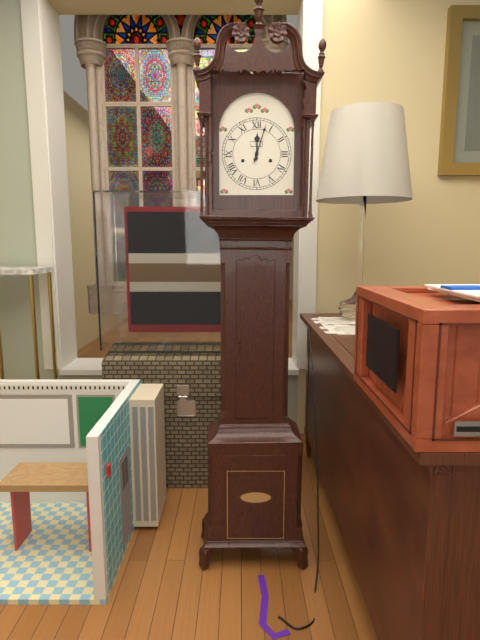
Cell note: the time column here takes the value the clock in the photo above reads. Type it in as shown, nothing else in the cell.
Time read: 12:03
